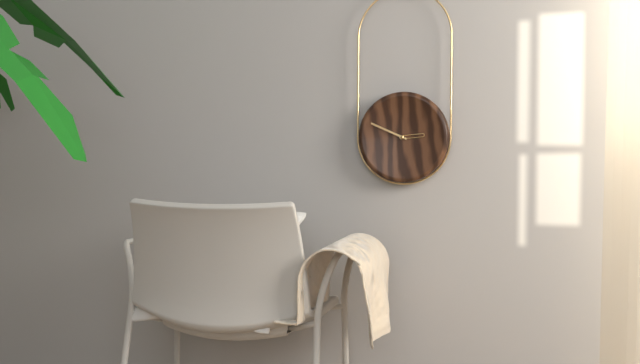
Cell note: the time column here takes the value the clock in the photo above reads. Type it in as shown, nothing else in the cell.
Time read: 2:49
